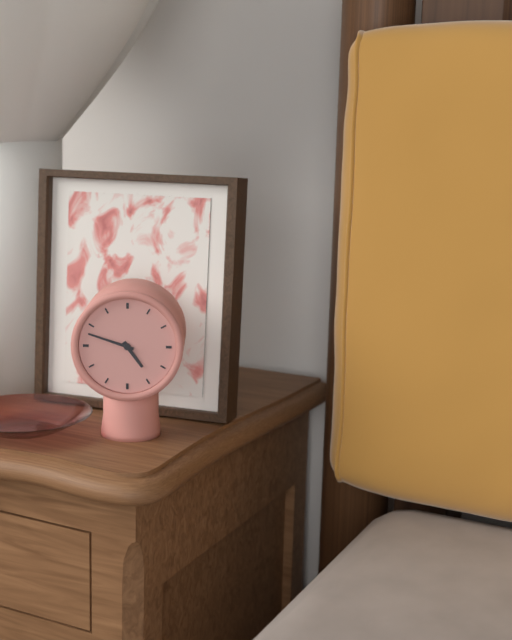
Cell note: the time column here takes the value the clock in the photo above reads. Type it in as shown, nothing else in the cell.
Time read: 4:48
